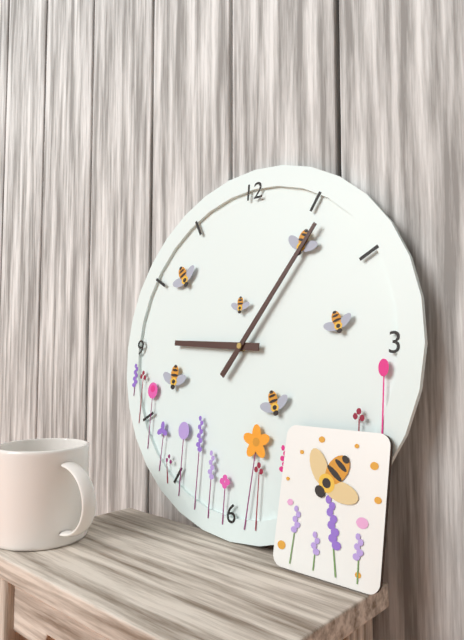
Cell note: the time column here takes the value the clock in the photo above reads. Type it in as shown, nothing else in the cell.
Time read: 9:06
